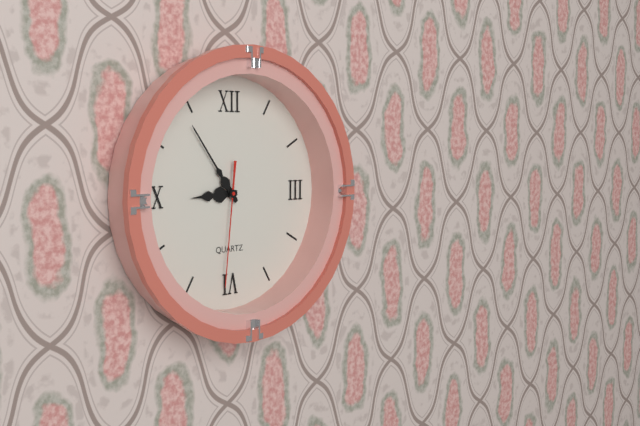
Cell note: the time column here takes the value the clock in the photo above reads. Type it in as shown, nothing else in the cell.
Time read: 8:54:31
